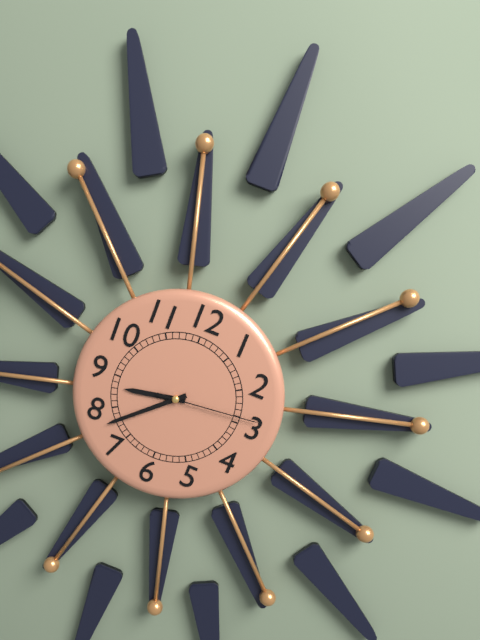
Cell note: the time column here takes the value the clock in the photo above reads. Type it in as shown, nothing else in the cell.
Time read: 8:38:14
